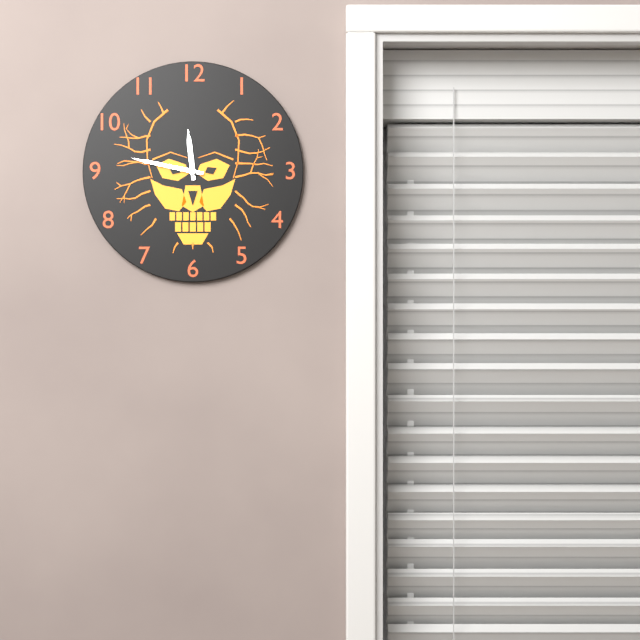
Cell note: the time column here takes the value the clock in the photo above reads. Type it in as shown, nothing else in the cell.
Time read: 11:47
